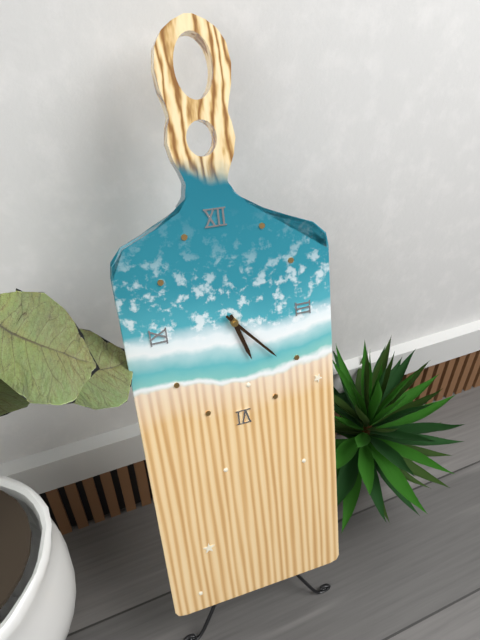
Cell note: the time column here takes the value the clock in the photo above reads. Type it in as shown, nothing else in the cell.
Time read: 5:23
